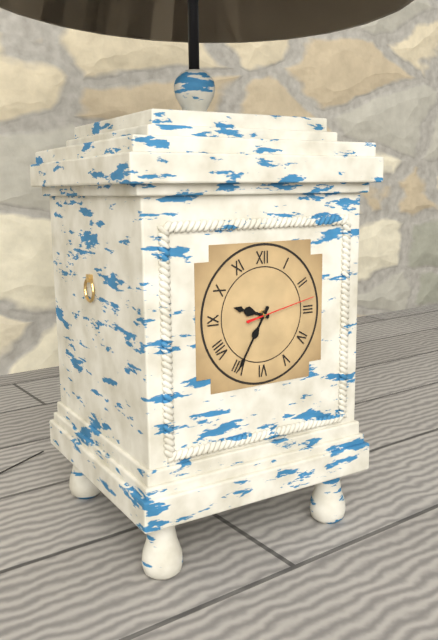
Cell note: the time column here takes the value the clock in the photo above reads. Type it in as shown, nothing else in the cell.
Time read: 9:35:13
